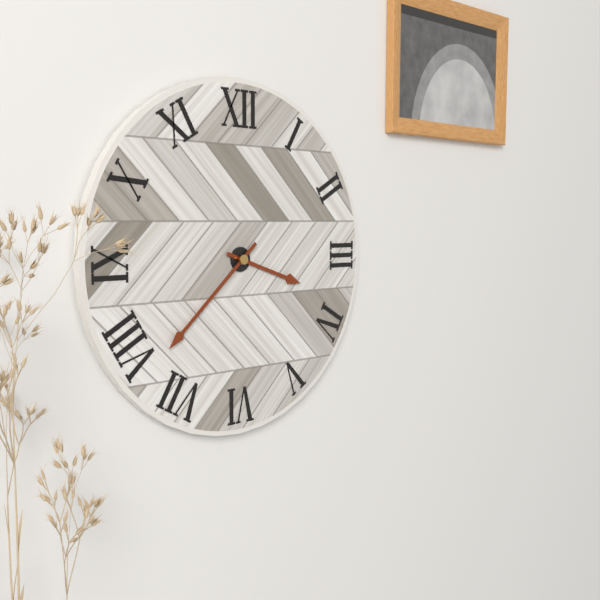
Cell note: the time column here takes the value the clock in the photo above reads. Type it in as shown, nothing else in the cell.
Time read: 3:38
